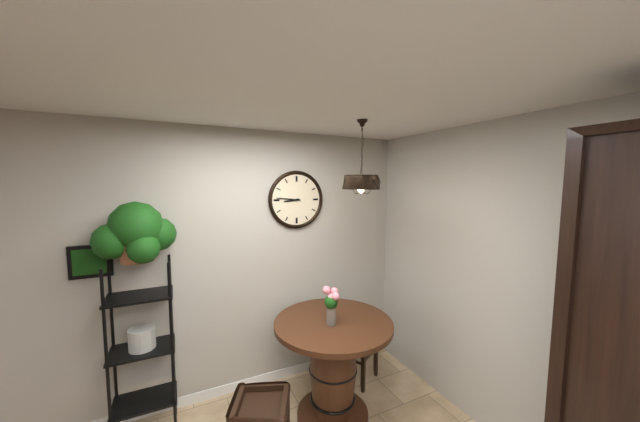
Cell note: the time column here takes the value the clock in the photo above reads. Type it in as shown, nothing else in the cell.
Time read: 8:46
